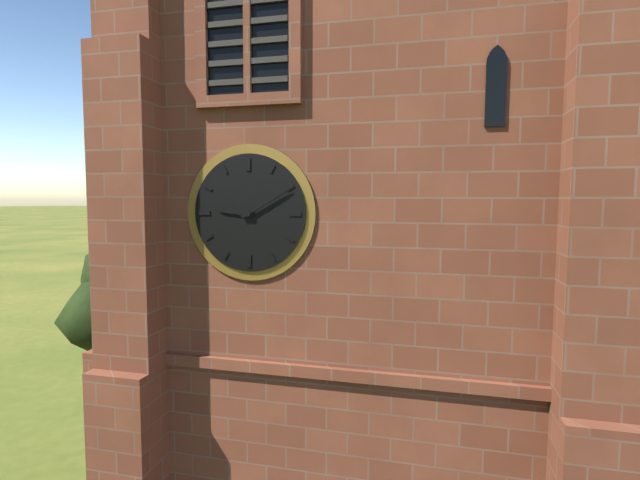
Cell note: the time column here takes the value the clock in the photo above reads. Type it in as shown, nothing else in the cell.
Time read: 9:10
